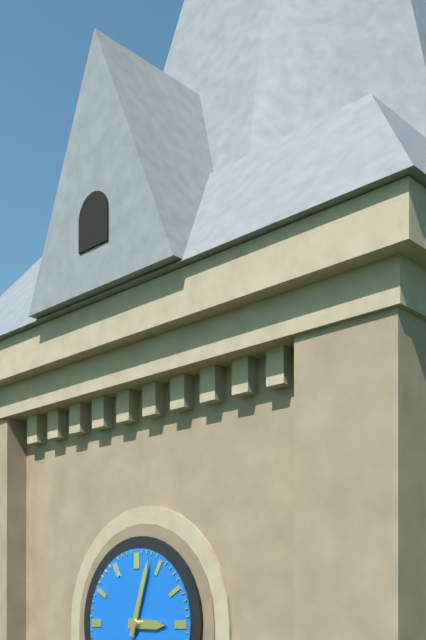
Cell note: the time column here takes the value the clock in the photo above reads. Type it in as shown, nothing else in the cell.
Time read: 3:03
